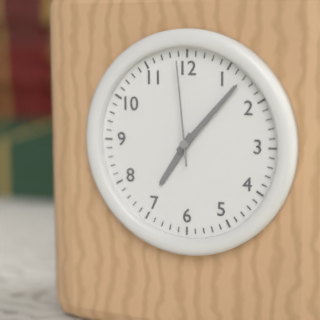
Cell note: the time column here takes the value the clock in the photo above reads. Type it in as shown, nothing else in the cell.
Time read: 7:07:59
